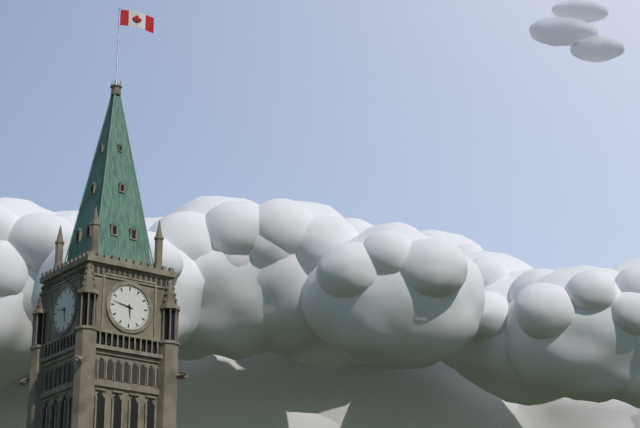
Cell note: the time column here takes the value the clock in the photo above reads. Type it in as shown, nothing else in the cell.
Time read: 5:47
